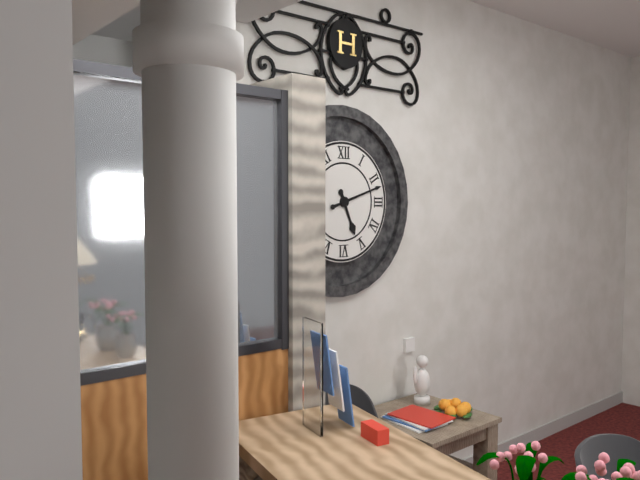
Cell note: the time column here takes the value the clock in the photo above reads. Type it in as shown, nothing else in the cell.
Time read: 5:12
